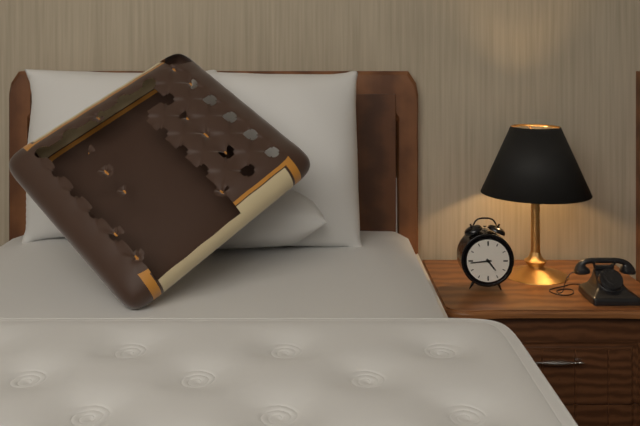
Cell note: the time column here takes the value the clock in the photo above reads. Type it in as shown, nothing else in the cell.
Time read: 4:44
